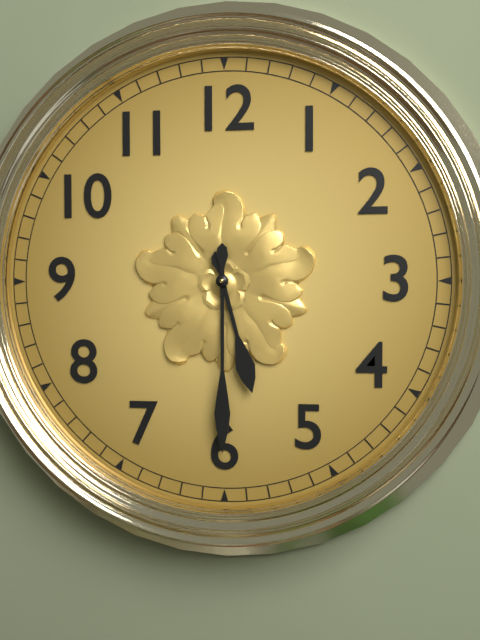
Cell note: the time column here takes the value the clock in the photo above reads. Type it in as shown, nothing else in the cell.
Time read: 5:30
